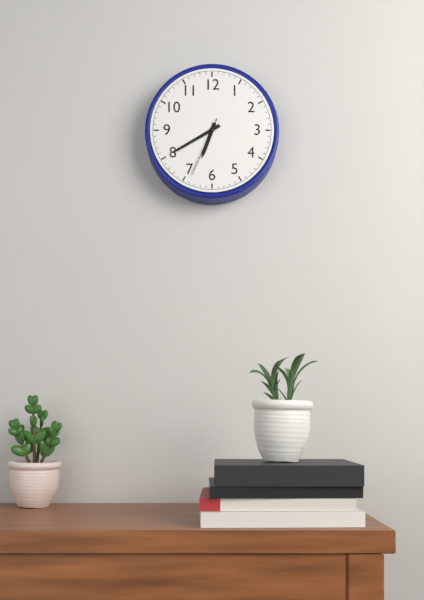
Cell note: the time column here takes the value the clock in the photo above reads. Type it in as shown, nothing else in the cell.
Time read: 6:40:34
